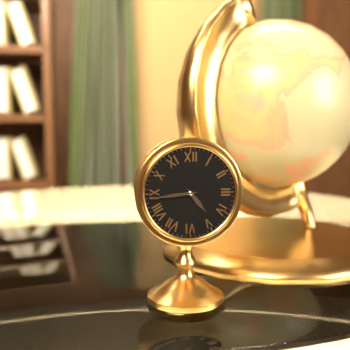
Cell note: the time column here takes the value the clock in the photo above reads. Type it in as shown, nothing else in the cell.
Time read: 4:44
